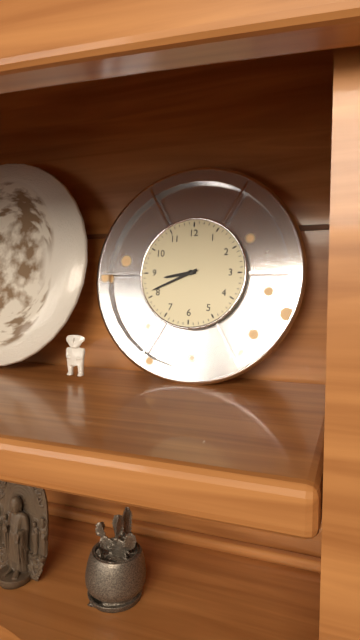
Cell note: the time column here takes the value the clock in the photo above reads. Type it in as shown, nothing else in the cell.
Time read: 8:41
